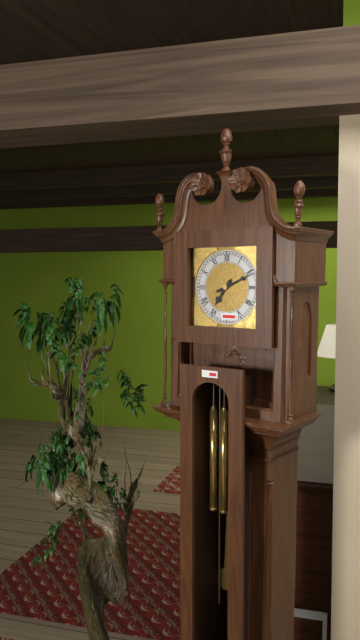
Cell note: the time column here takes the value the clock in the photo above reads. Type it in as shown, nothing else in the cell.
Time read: 7:11
